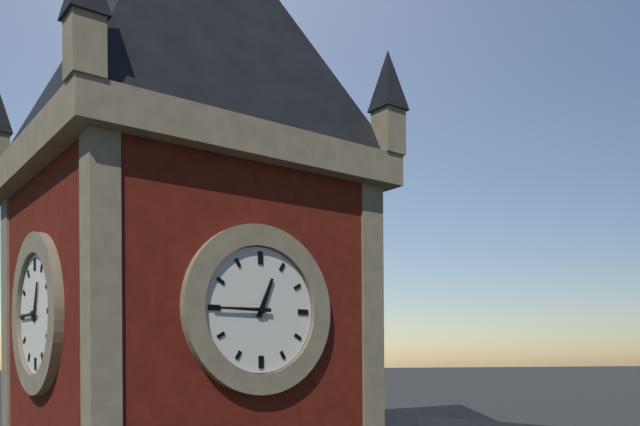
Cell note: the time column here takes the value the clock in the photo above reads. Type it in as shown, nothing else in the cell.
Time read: 12:45
